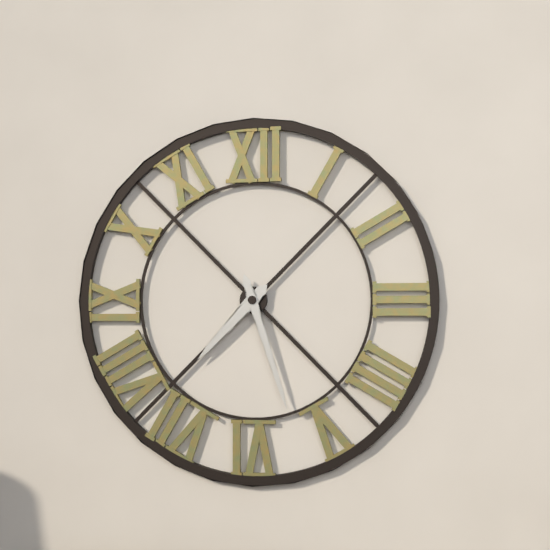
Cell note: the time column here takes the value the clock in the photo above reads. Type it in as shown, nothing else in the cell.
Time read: 7:27
